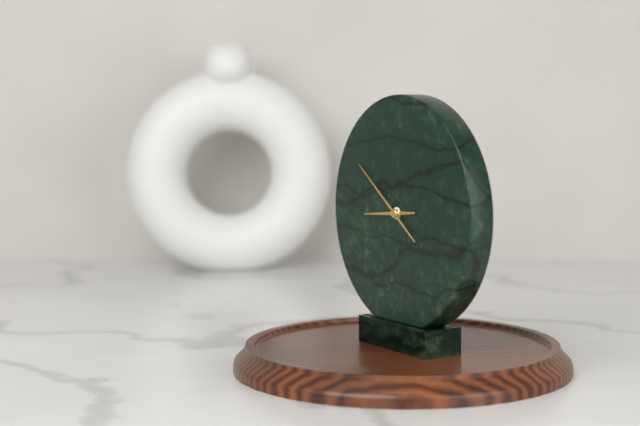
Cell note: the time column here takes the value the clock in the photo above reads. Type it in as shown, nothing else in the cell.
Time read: 8:51
